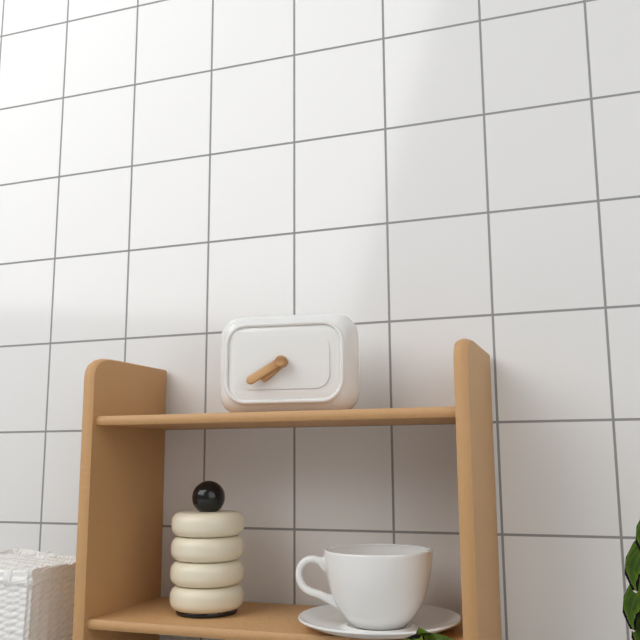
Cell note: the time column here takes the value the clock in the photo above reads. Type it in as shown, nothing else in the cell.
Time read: 7:40
